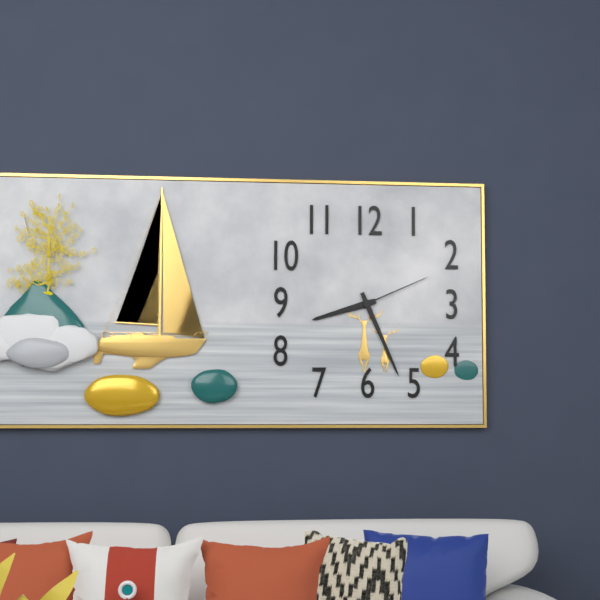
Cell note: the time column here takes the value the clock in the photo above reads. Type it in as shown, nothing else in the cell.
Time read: 8:26:11
